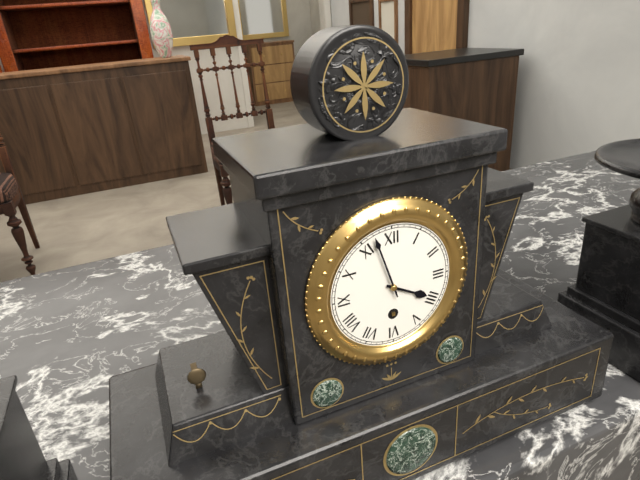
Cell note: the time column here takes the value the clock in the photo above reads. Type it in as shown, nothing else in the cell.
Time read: 3:57
